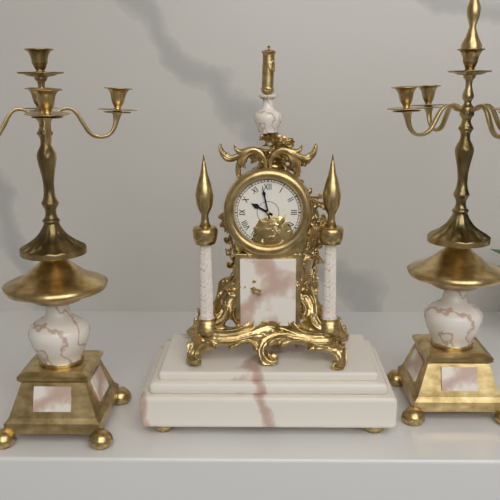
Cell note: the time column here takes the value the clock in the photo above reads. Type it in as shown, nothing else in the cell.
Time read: 9:58
